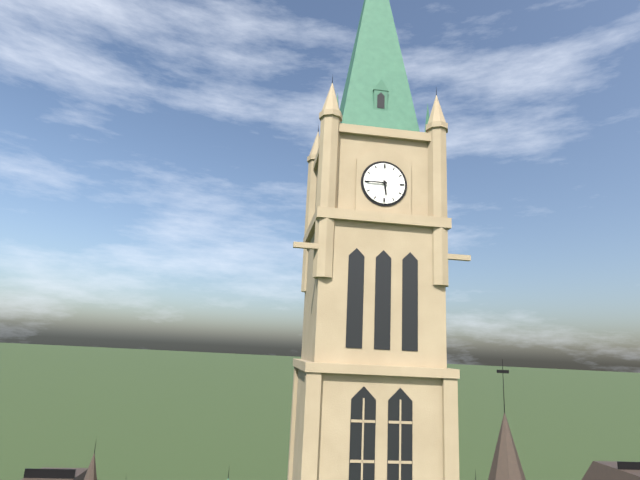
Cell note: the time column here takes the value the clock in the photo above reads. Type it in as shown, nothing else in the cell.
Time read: 5:45
